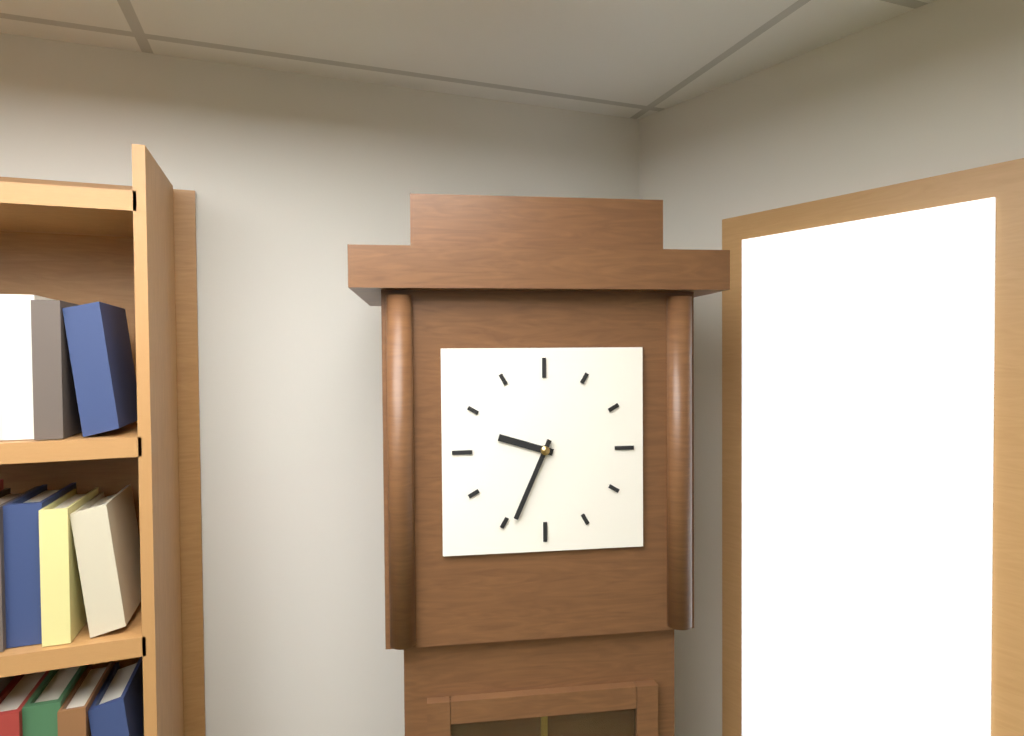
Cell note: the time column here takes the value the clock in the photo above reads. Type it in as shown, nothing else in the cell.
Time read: 9:34
